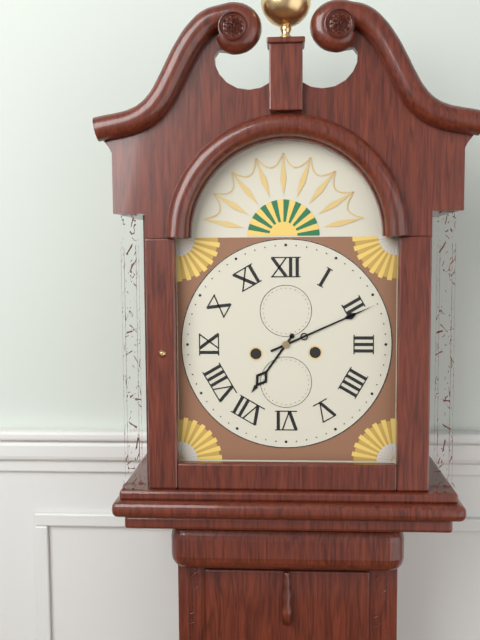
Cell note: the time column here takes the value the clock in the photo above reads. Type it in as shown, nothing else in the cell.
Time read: 7:11
